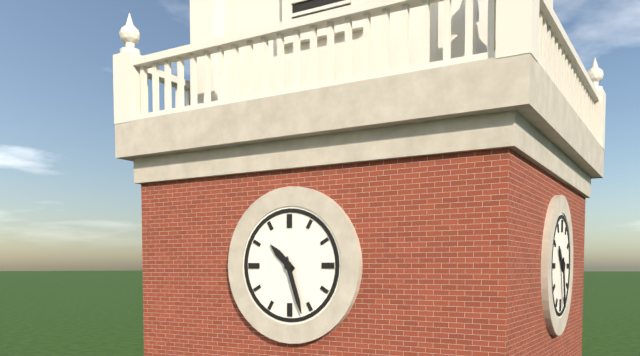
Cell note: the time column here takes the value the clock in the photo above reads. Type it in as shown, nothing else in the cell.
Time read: 10:27
